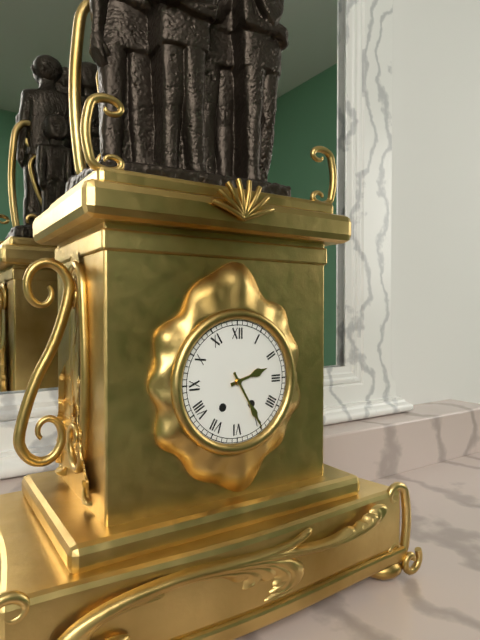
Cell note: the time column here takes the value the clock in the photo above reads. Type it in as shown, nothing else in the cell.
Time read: 2:25
